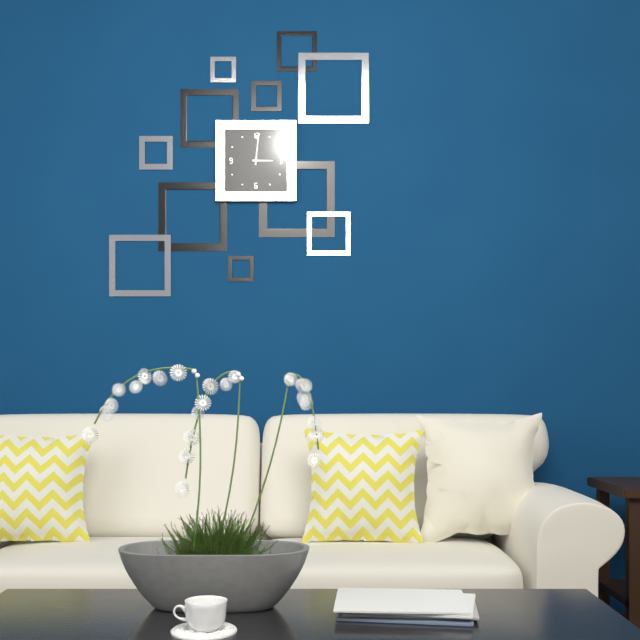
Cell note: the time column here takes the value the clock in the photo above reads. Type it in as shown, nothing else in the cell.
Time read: 3:01
